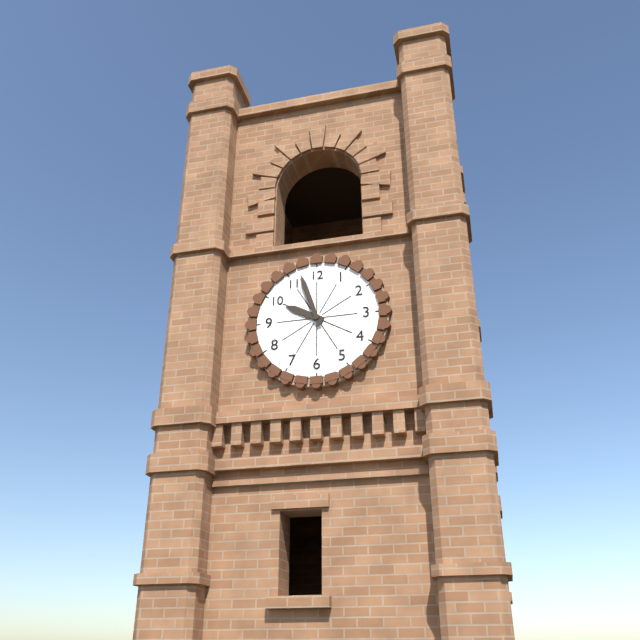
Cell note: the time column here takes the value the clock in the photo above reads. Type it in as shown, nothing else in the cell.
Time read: 9:57
